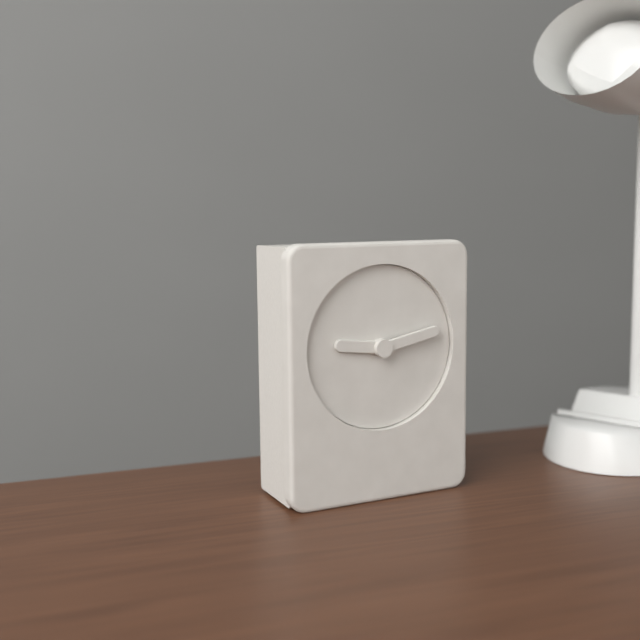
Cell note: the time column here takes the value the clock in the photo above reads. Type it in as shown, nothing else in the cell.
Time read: 9:13
